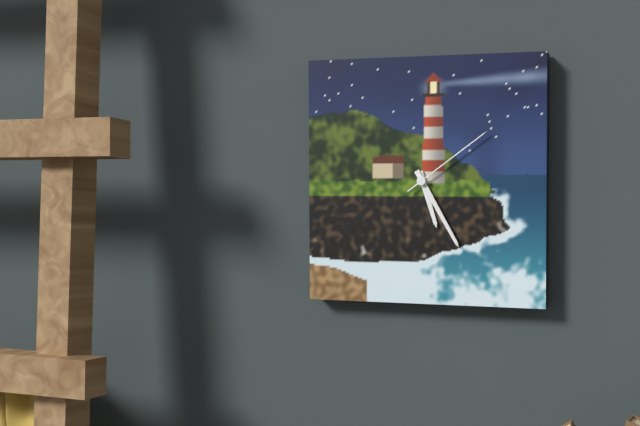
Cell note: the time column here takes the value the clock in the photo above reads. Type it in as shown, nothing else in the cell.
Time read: 5:25:09
